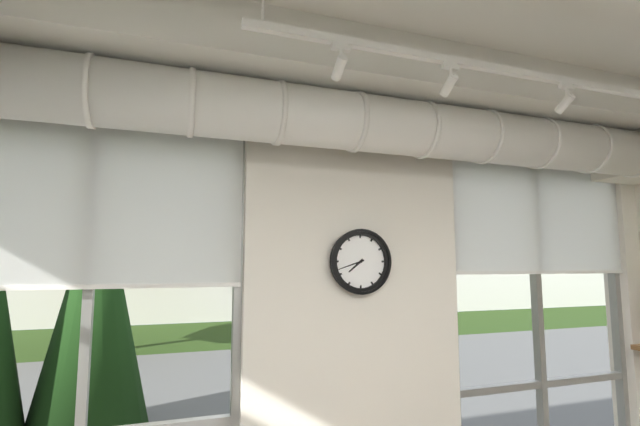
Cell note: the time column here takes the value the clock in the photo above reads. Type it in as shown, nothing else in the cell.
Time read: 7:42
